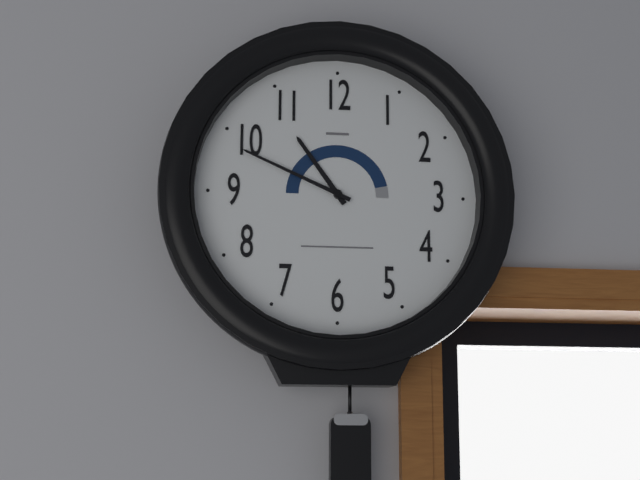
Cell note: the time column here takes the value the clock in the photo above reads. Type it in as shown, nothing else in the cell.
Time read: 10:49
